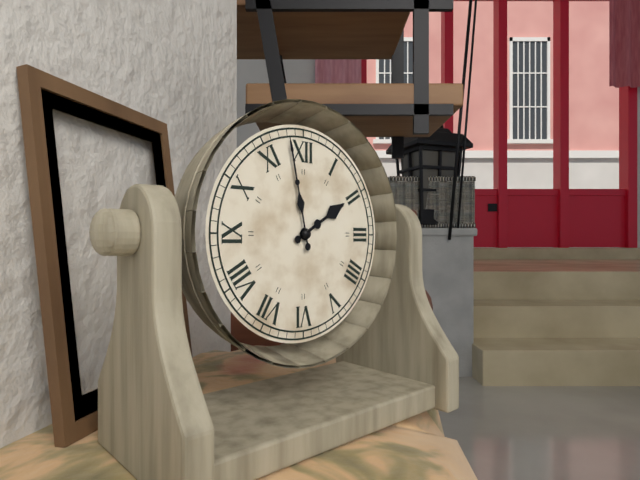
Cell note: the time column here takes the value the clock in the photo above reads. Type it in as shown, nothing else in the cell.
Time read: 1:58
